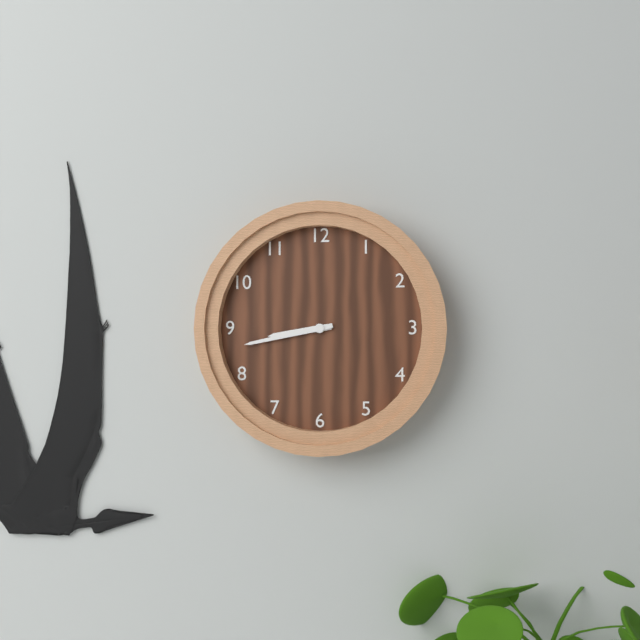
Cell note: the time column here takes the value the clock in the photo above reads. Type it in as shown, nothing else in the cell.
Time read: 8:43
